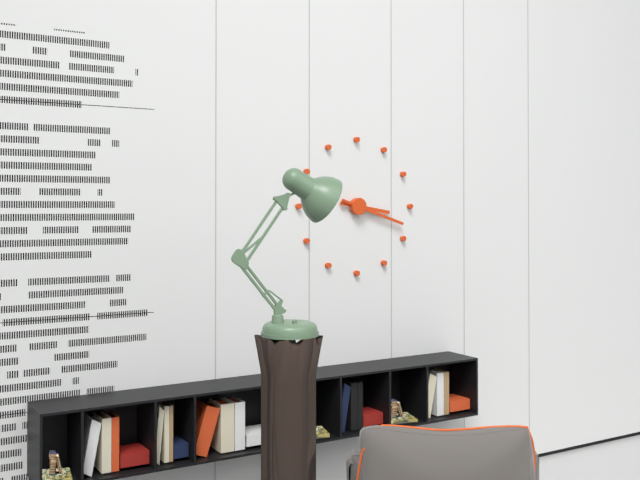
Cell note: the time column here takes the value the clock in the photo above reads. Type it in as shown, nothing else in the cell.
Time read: 3:18
